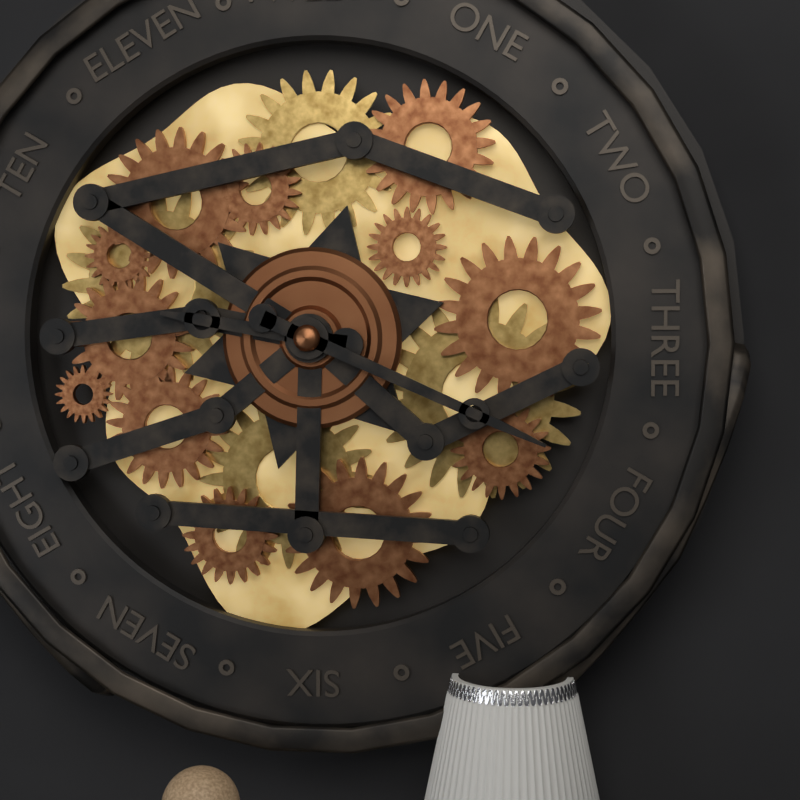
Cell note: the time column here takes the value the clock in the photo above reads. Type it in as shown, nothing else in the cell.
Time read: 9:19
